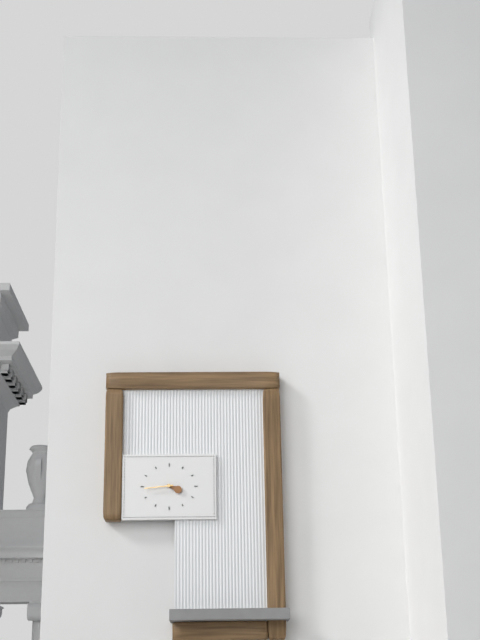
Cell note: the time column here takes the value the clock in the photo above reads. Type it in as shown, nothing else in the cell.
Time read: 3:44
